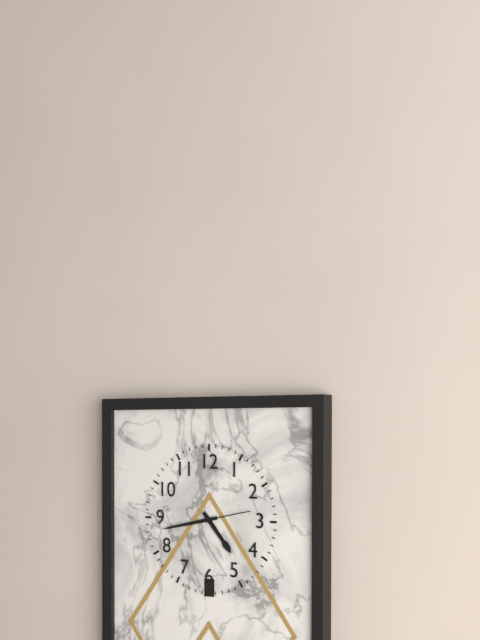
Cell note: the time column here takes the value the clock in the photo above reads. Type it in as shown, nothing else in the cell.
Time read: 4:43:13
